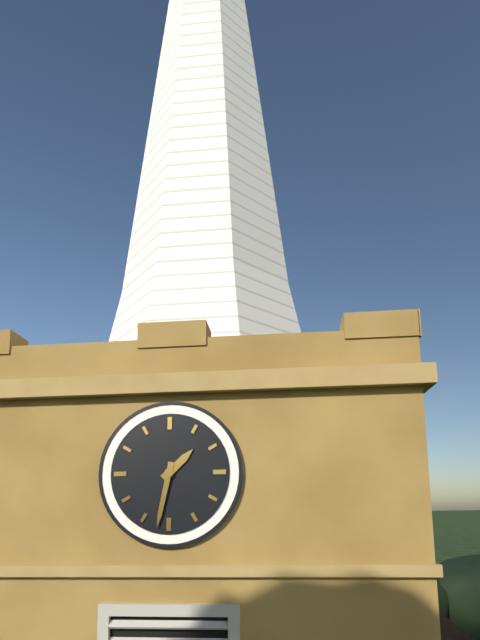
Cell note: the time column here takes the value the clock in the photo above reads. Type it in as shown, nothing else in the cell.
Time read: 1:32
